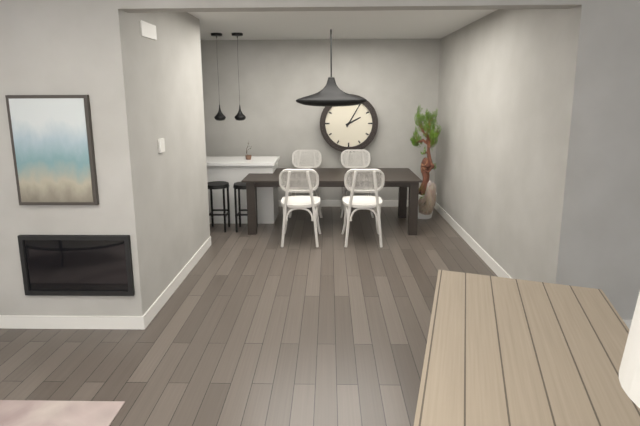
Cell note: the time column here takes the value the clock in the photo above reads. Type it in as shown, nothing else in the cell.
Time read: 2:05
